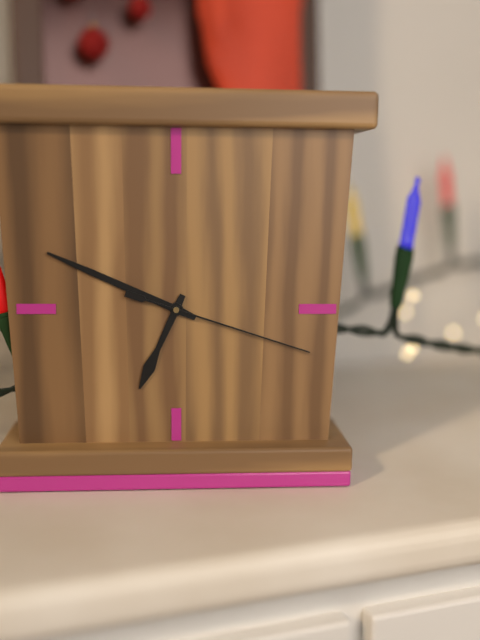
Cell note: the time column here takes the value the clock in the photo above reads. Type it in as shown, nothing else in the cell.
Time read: 6:49:18
